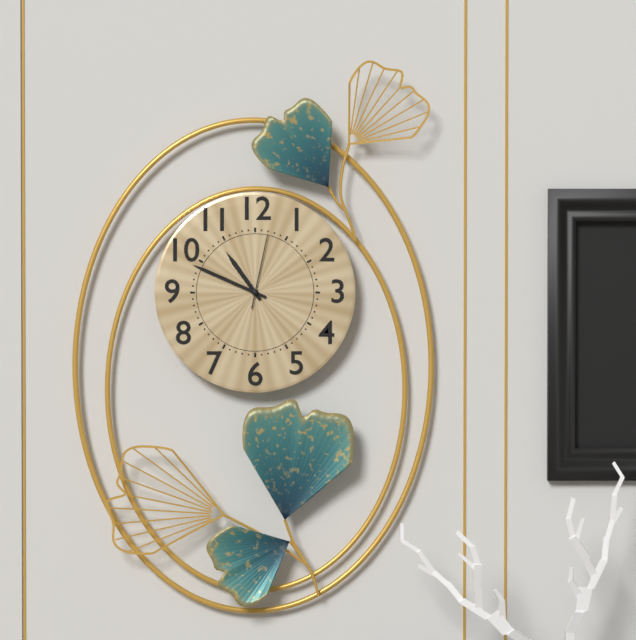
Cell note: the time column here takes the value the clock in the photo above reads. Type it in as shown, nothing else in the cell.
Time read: 10:49:02
